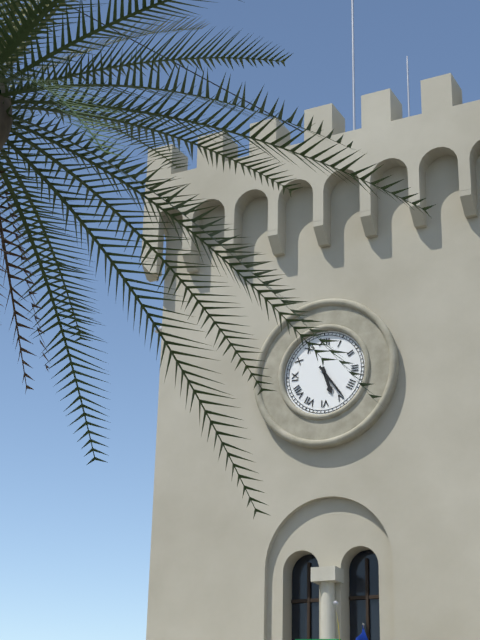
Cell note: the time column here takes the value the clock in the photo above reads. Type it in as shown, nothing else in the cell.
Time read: 5:24
